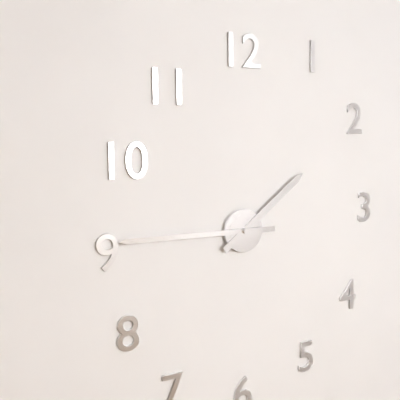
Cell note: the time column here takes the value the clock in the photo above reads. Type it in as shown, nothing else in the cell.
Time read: 1:45
